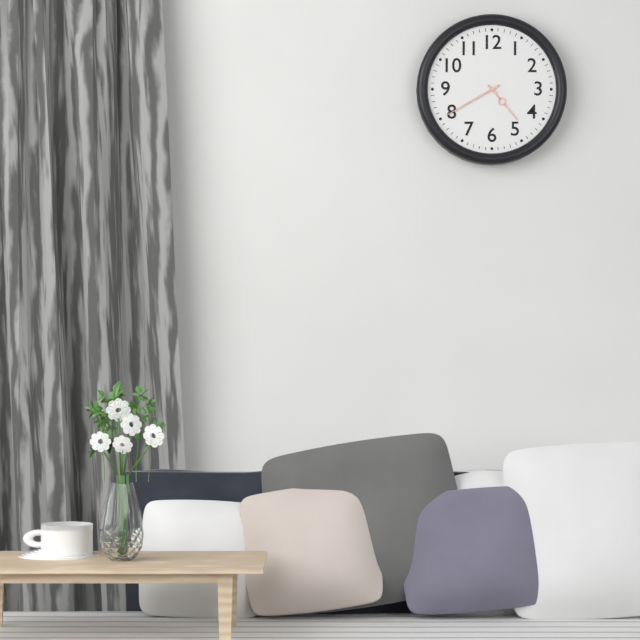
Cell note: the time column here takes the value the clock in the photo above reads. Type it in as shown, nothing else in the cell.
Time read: 4:40
